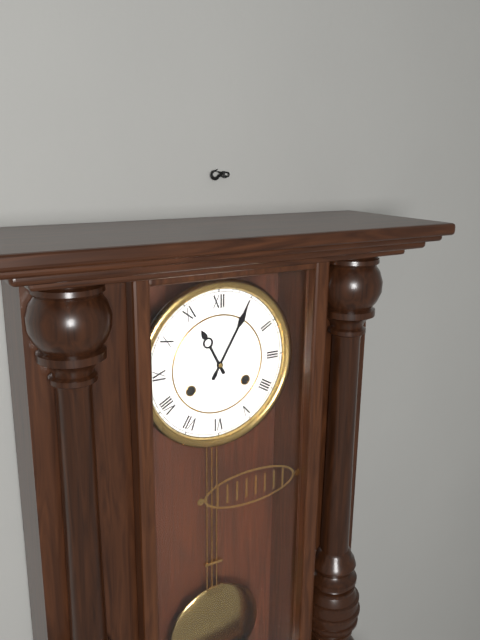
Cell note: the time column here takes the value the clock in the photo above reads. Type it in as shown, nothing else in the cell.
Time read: 11:05
